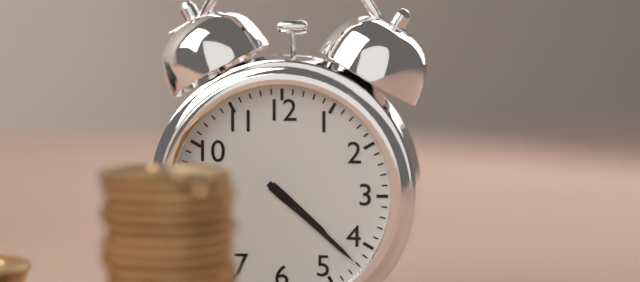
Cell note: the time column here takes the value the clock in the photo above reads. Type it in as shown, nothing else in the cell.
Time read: 4:22
